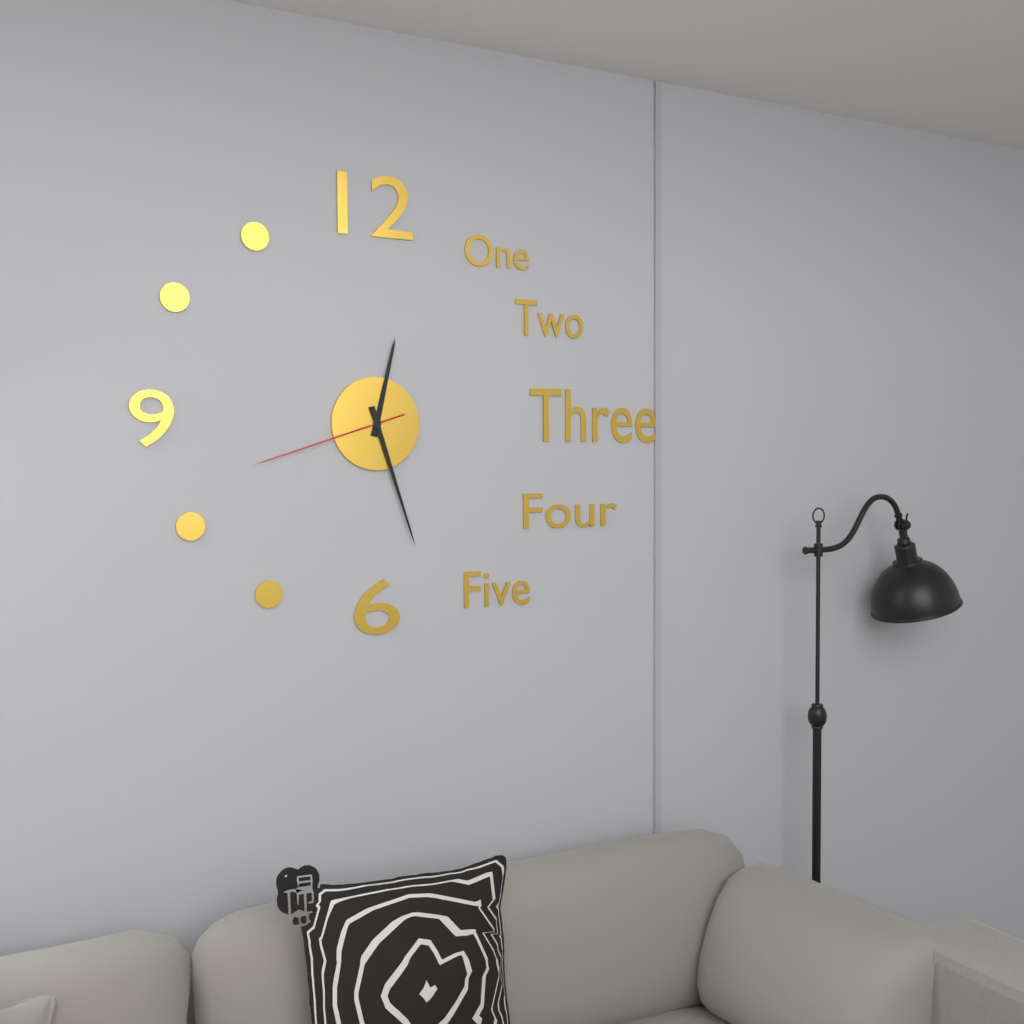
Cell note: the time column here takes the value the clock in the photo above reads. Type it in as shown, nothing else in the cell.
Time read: 12:27:42
